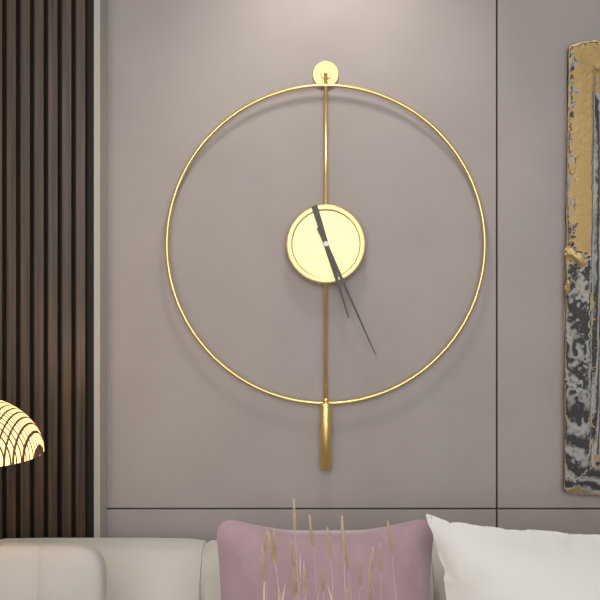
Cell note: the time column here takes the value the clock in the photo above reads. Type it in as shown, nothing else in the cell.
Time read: 5:26
